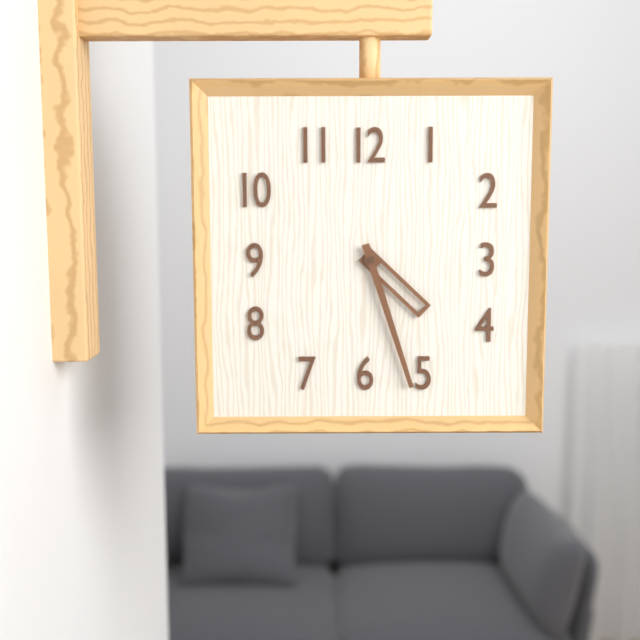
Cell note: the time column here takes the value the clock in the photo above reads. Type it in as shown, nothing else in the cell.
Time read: 4:27
